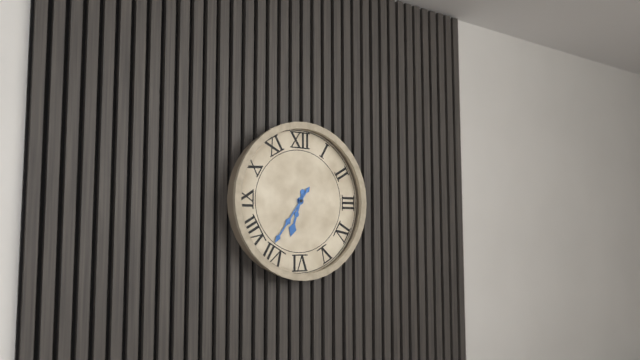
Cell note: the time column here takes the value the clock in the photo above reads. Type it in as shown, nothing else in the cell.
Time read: 6:36
